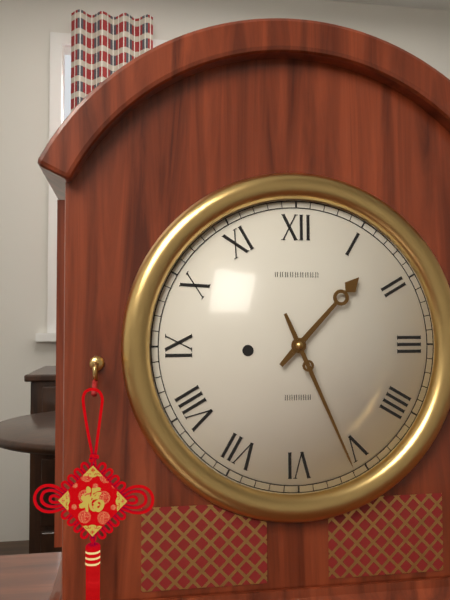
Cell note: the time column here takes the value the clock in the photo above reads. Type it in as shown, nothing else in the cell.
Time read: 1:26
